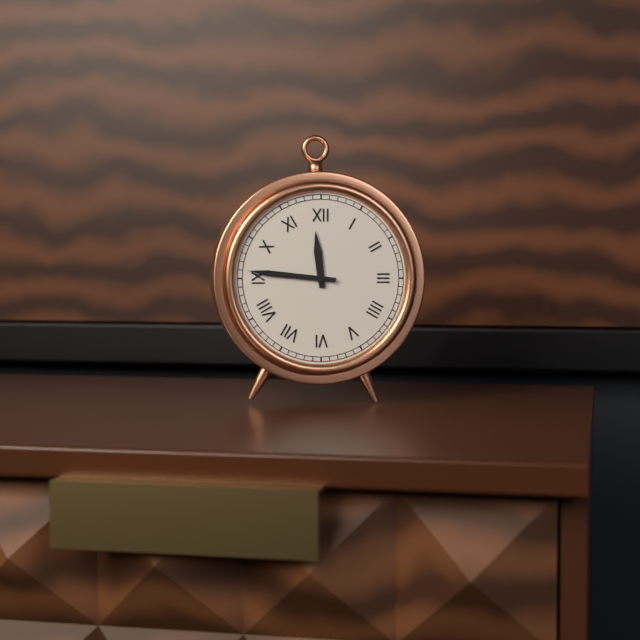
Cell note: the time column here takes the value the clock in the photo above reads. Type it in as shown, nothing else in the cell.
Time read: 11:46
